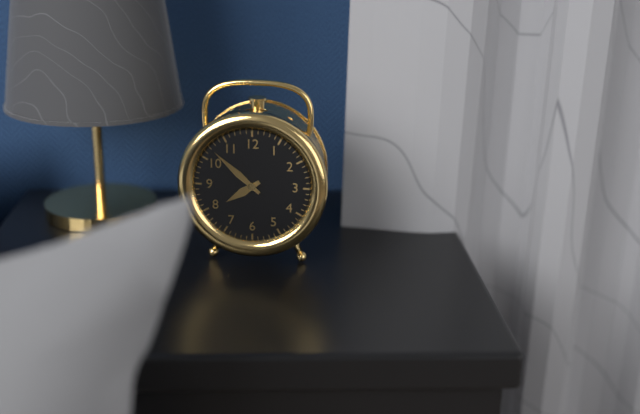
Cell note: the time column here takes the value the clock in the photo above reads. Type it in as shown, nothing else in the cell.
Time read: 7:52
